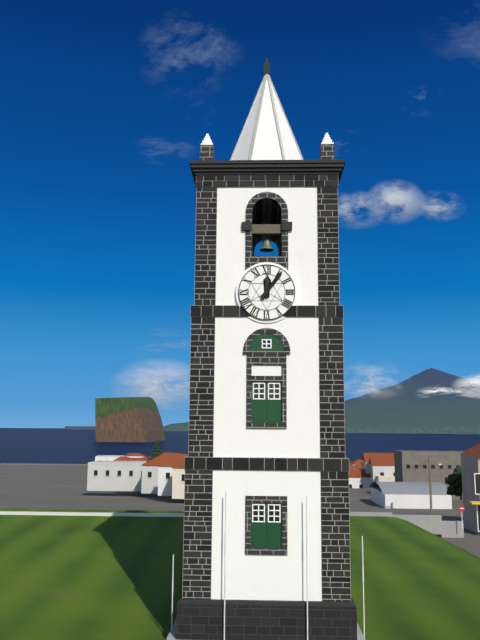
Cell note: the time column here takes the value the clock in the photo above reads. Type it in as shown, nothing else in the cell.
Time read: 12:06
